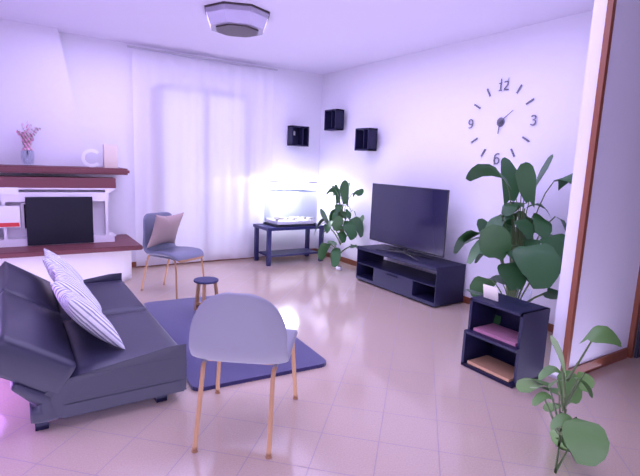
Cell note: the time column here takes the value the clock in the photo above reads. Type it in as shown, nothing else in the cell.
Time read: 6:09
